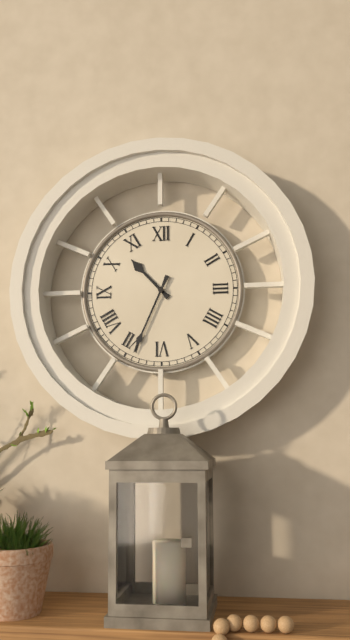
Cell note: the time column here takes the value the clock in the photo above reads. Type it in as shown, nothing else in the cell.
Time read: 10:34
